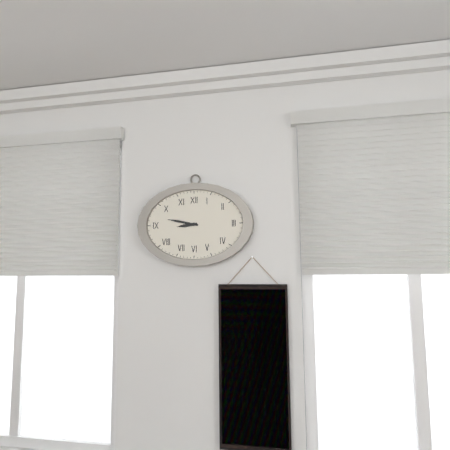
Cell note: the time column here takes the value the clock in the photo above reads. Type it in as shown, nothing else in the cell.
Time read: 8:47
